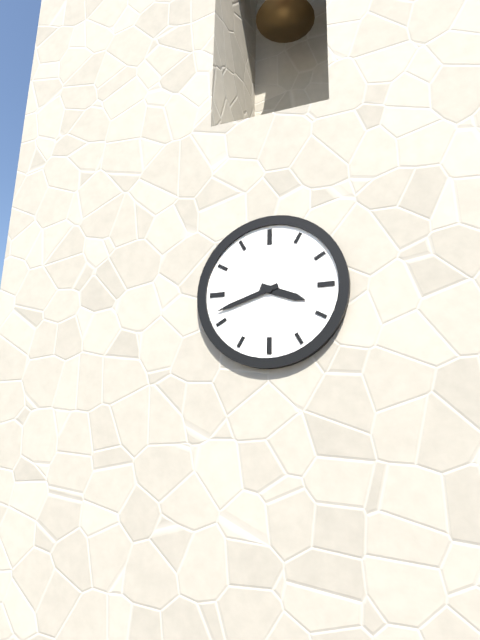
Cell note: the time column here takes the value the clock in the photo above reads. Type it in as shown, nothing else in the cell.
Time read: 3:42
